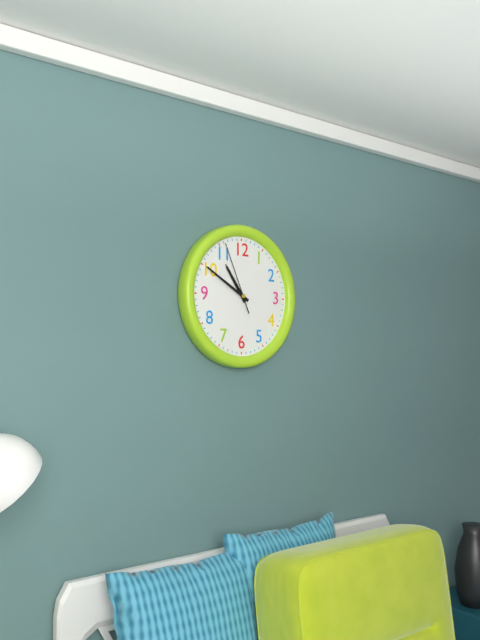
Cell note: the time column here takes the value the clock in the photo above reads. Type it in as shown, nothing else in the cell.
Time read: 10:50:56
